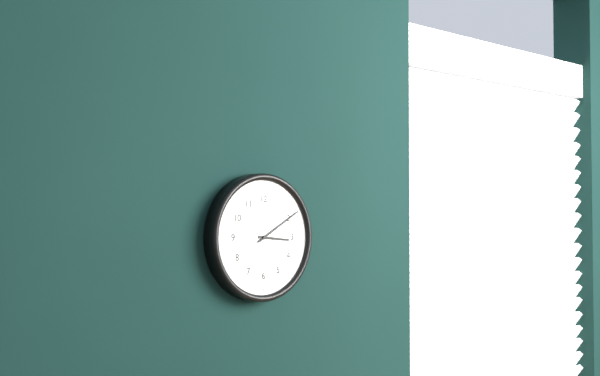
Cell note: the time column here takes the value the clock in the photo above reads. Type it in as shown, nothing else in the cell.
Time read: 3:10
